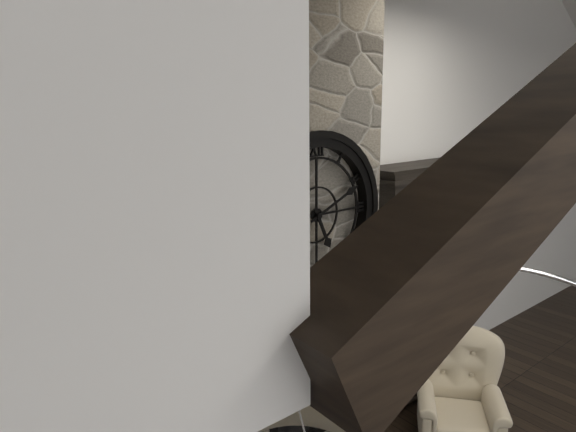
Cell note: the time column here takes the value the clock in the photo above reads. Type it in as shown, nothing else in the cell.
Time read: 5:11
